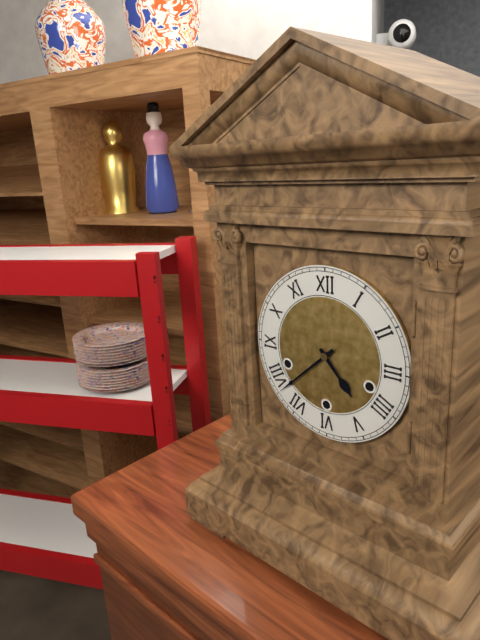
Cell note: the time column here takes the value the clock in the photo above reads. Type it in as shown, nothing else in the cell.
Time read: 4:38
